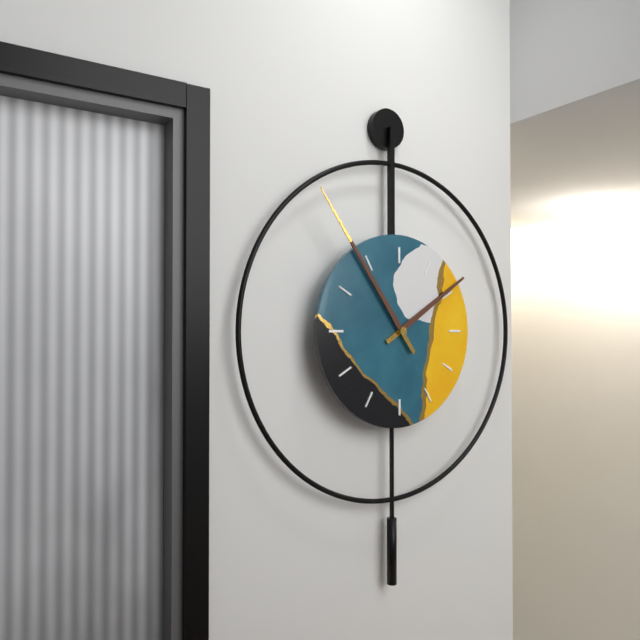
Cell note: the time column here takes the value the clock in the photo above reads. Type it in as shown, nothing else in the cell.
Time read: 1:54
